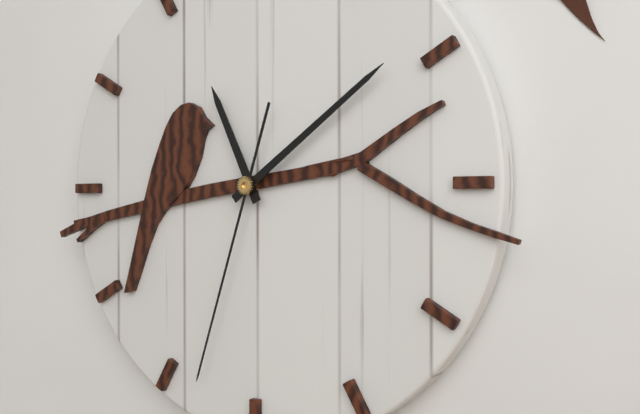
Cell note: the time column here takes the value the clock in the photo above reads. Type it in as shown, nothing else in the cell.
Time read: 11:09:33
